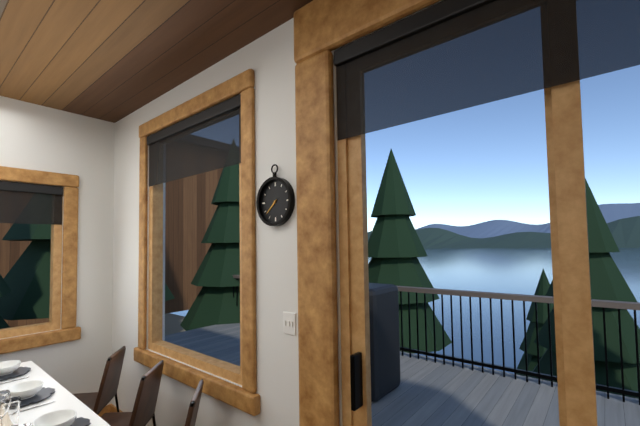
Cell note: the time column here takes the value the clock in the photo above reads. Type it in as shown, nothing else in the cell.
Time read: 7:38
